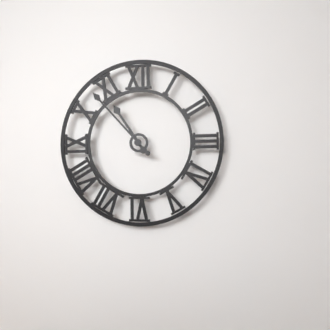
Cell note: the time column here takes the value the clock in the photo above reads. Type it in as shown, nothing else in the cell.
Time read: 10:53
